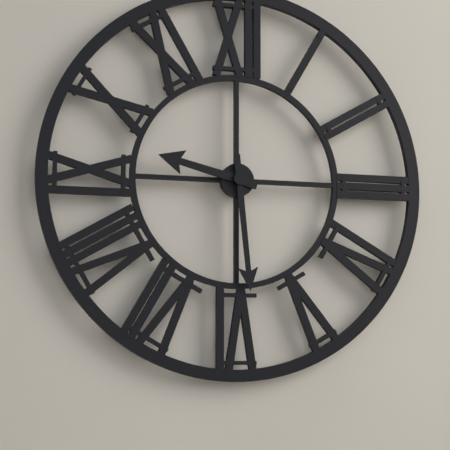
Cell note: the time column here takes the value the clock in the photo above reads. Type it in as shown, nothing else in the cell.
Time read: 9:29
